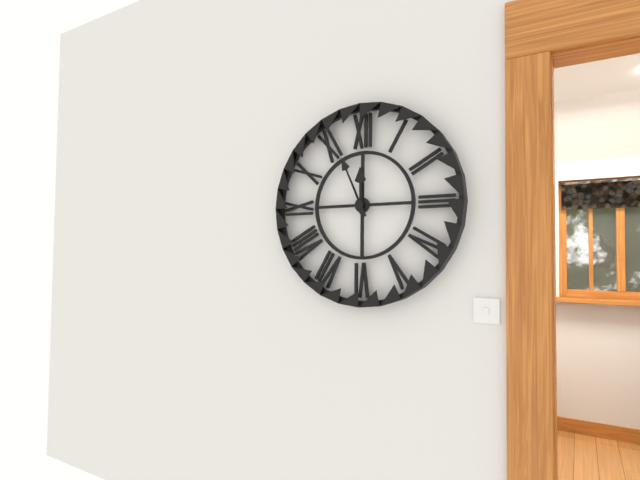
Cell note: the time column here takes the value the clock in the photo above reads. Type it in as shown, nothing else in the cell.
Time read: 11:56
